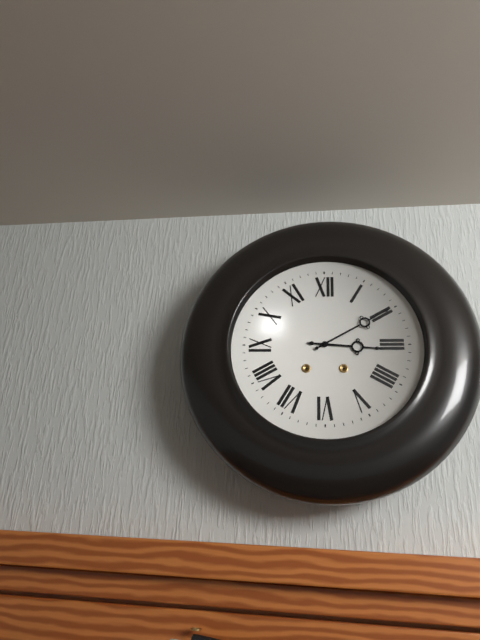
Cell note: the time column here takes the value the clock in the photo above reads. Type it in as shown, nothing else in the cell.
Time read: 3:10
